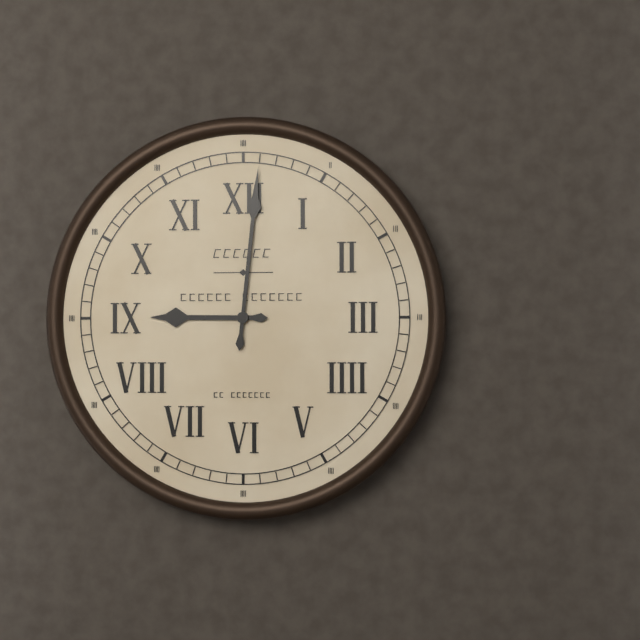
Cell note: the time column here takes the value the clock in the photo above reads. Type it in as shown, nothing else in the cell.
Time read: 9:01
